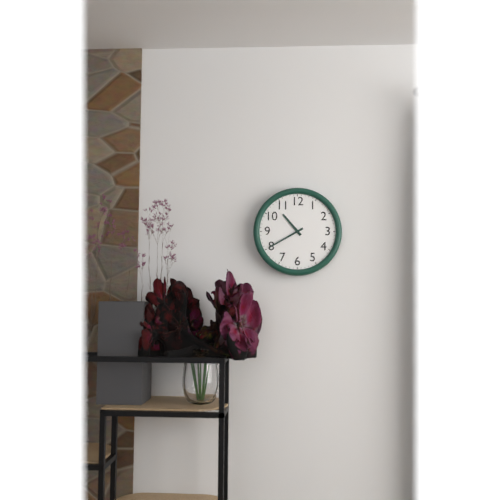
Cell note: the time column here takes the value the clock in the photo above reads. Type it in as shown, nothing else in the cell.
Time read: 10:40
